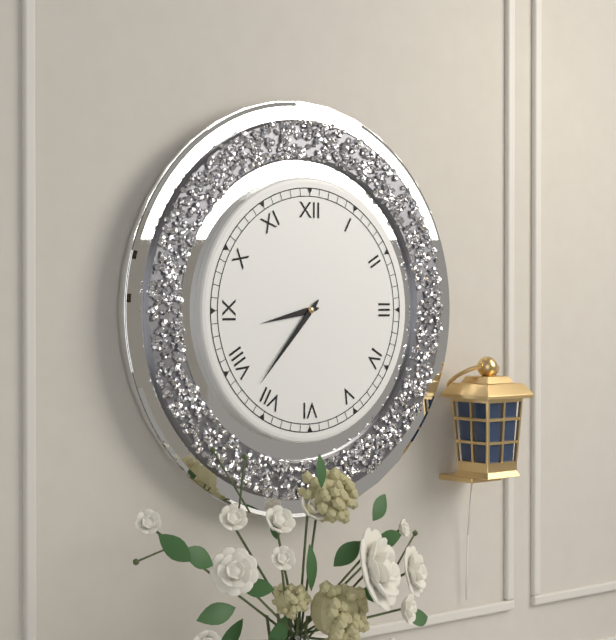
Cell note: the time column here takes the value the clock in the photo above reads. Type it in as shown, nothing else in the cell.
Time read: 8:37
